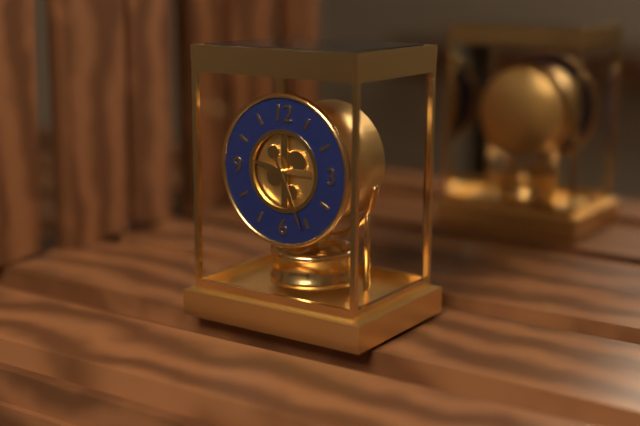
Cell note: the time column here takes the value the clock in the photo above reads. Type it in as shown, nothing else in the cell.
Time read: 9:26
